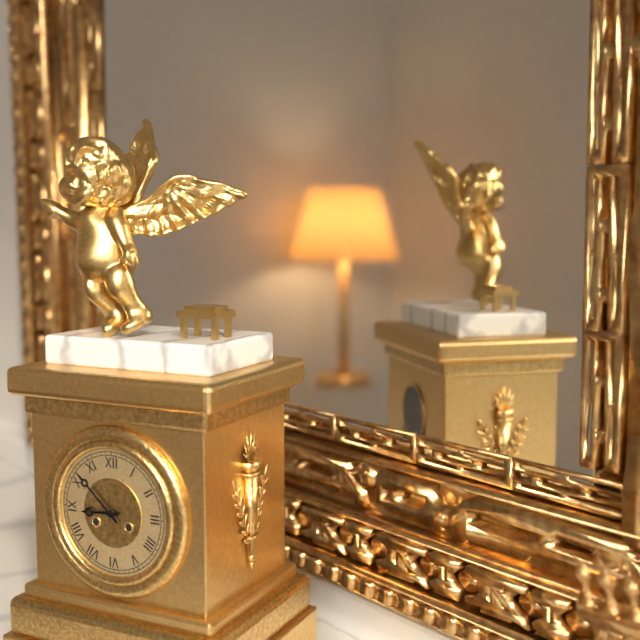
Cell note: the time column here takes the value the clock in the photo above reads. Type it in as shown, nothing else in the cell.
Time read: 8:52
